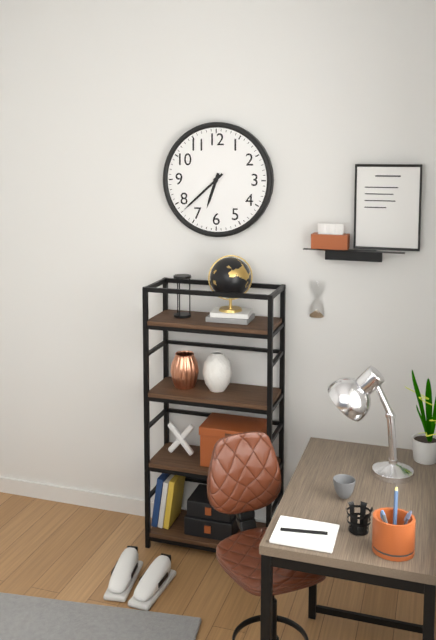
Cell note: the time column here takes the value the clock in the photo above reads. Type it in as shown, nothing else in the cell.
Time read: 6:38
